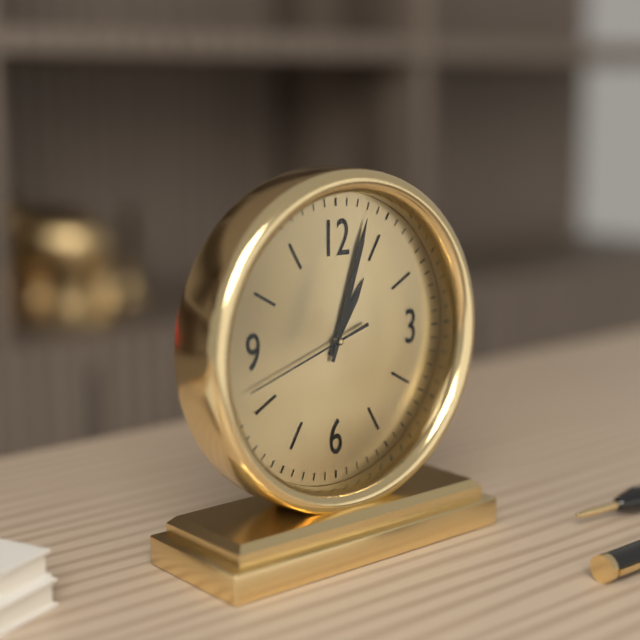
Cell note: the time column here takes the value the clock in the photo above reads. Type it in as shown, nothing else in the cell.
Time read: 1:03:42
